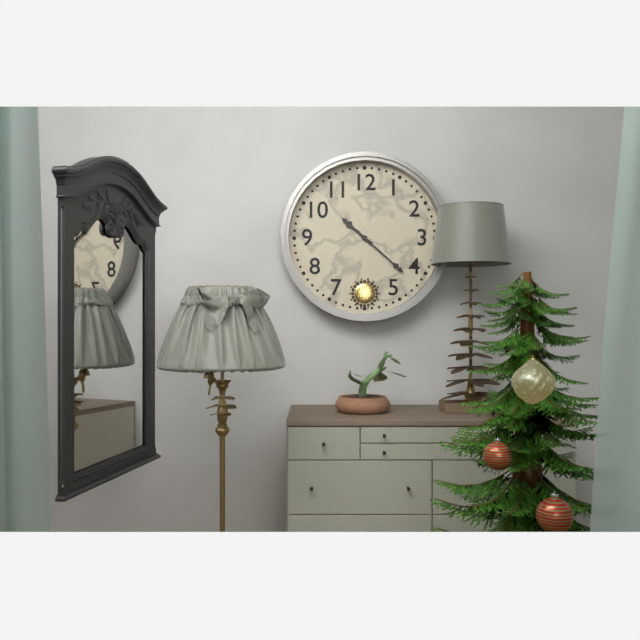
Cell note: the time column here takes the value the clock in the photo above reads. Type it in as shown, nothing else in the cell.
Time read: 10:22
